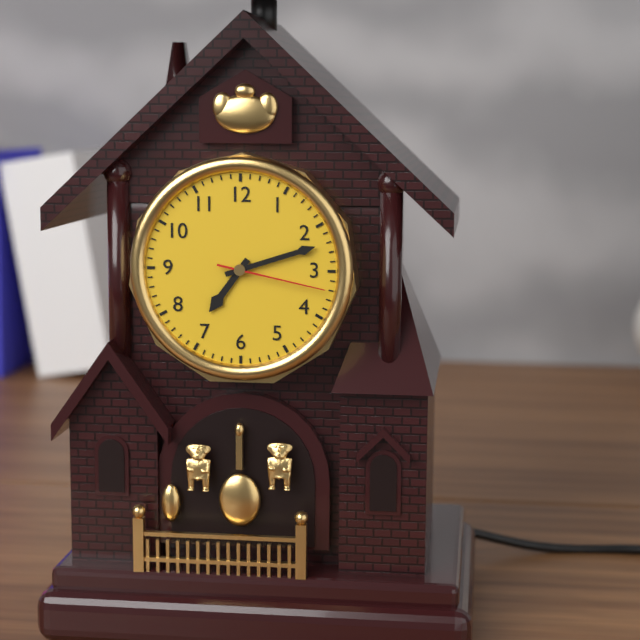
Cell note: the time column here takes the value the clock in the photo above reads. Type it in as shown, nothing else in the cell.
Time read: 7:12:17
